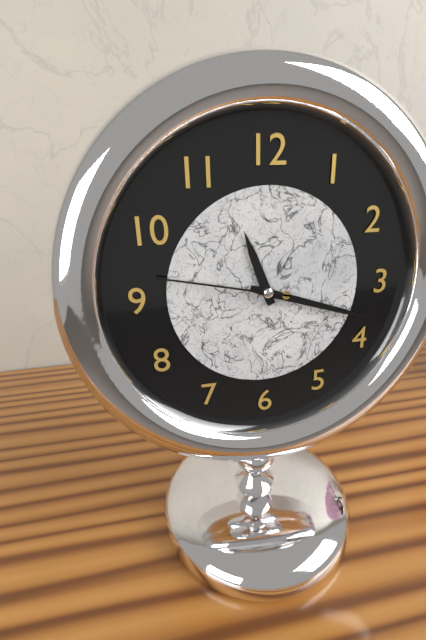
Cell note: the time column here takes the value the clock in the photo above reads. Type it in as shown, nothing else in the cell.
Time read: 11:18:47
